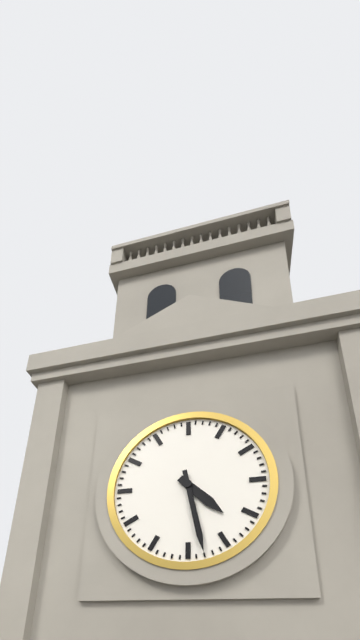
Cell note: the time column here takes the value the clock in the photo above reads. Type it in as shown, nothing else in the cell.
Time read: 4:28
